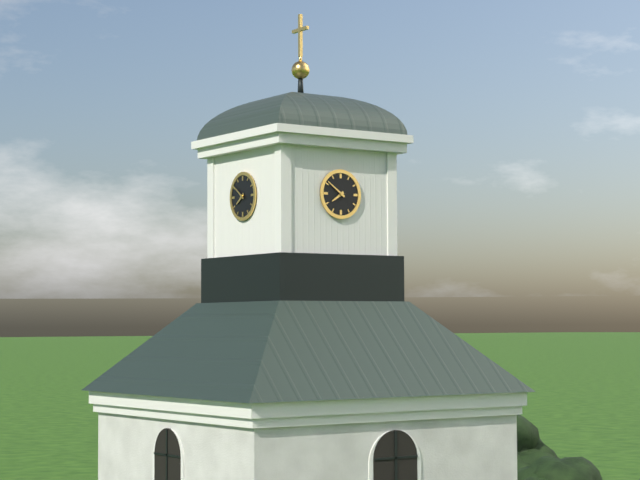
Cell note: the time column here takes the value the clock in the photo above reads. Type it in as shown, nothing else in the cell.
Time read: 7:51
